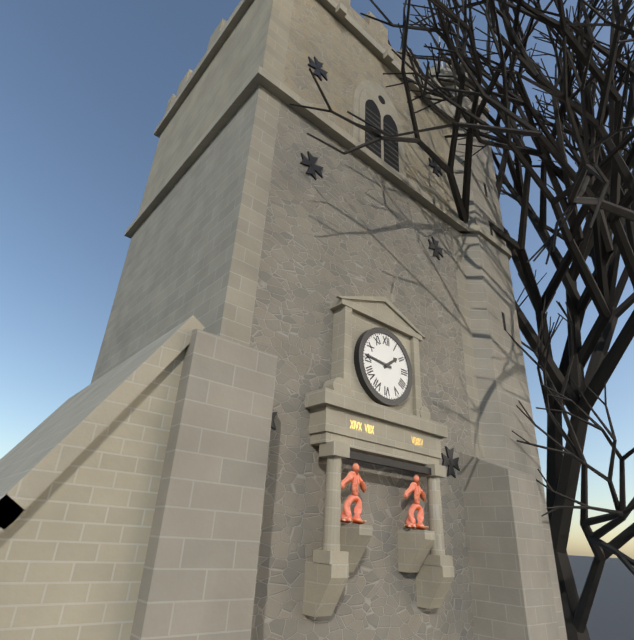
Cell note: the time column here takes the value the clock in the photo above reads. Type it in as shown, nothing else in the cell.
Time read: 1:46
